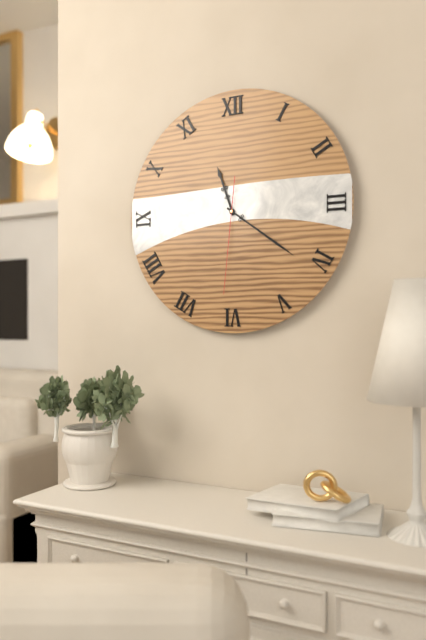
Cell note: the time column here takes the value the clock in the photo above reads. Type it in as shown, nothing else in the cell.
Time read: 11:21:31
